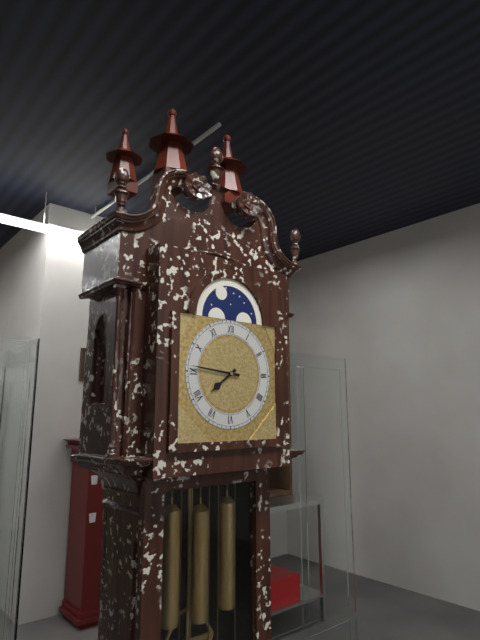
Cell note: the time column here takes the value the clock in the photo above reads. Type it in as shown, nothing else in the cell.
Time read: 7:46
